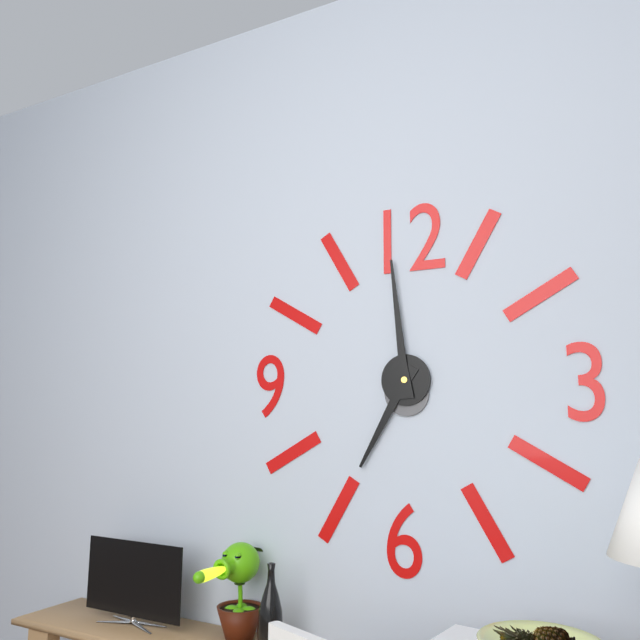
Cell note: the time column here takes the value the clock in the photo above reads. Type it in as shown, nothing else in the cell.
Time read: 6:59
